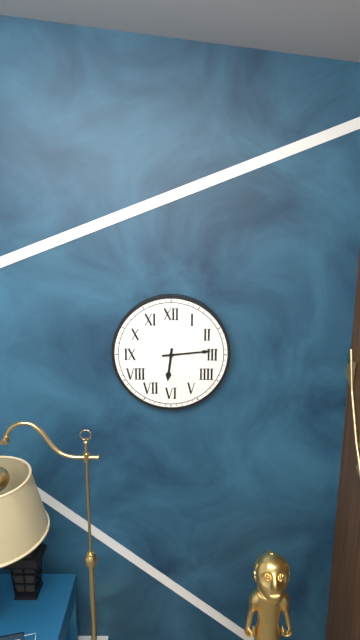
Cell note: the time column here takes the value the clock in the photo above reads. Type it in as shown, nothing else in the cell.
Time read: 6:14
